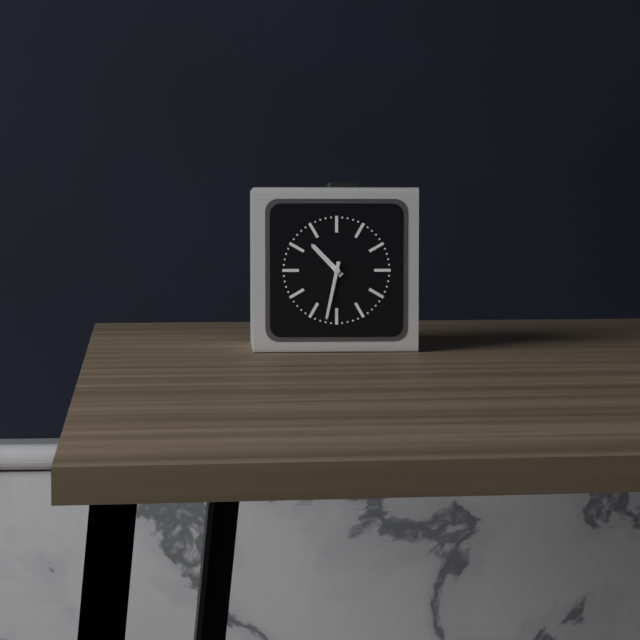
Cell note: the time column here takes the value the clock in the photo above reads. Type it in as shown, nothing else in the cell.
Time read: 10:32
